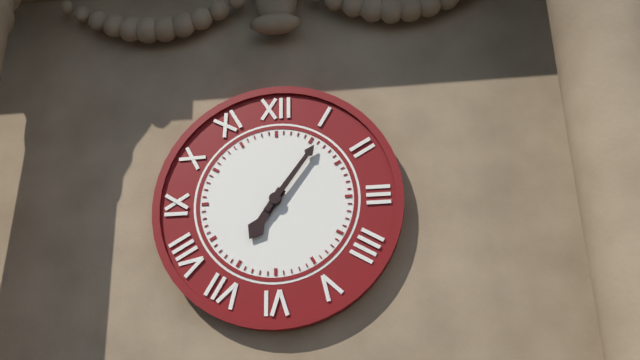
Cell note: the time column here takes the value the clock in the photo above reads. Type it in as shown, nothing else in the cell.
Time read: 7:06
